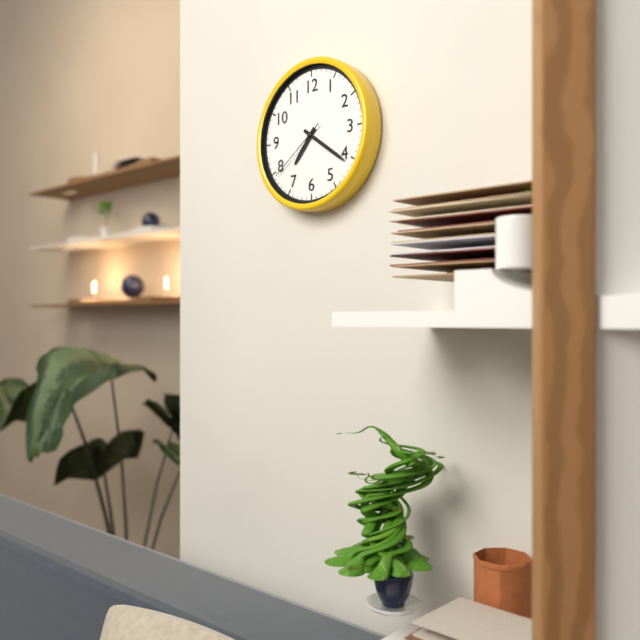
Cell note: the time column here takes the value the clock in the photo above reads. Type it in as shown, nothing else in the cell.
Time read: 7:21:39
